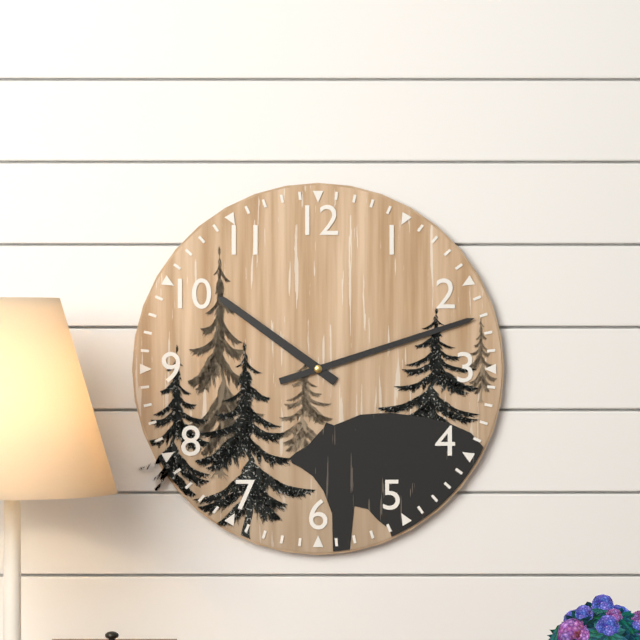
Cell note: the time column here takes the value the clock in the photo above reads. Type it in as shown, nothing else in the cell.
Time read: 10:12
